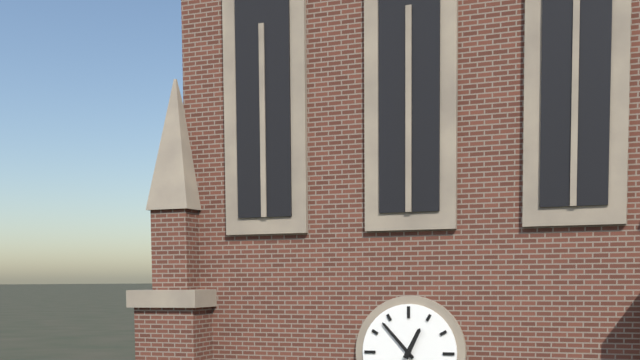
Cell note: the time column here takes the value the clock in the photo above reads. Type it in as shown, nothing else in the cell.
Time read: 12:53
